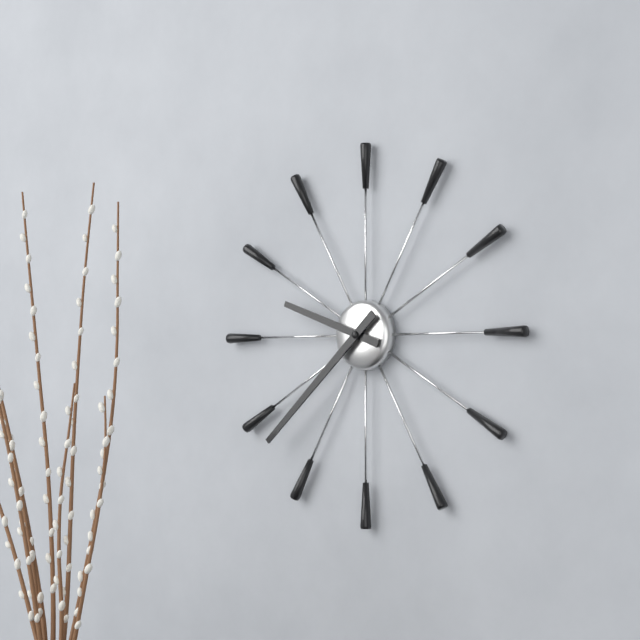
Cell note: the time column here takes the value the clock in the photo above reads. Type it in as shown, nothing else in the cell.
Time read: 9:38
